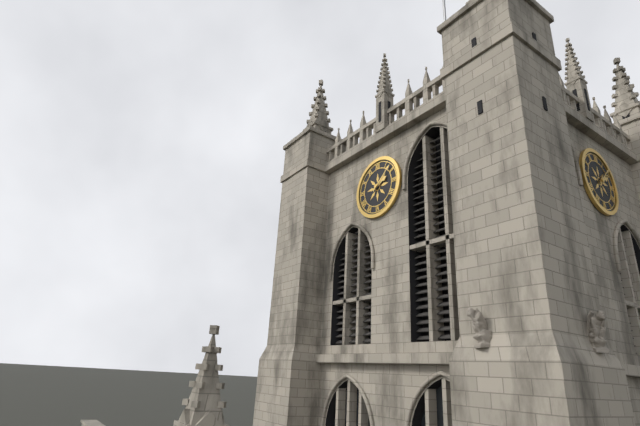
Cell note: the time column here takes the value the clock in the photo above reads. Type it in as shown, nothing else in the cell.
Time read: 2:08
